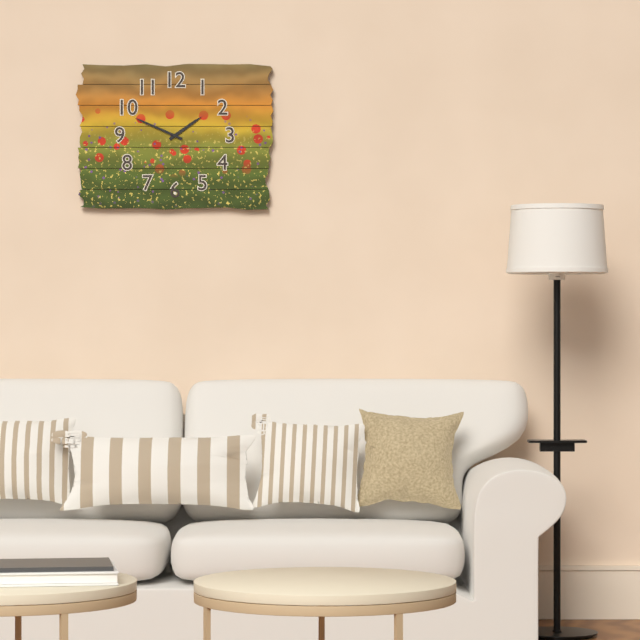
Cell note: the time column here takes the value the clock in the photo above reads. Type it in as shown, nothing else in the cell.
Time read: 1:49
